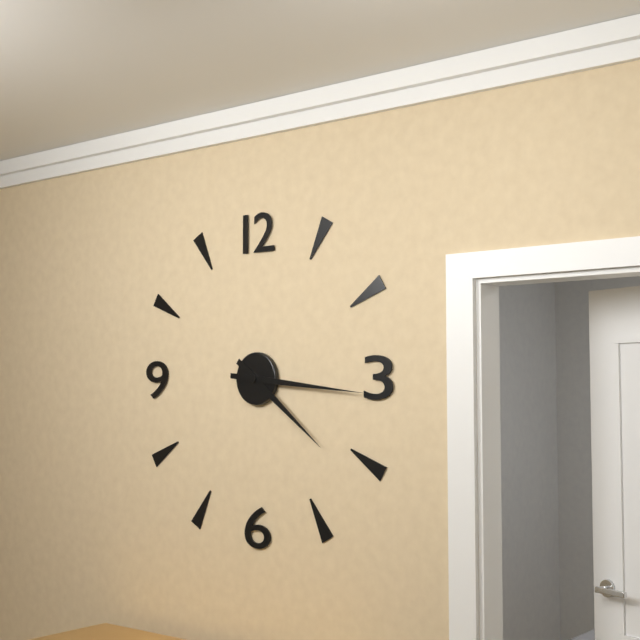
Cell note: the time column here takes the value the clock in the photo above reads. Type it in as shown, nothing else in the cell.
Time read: 4:16
